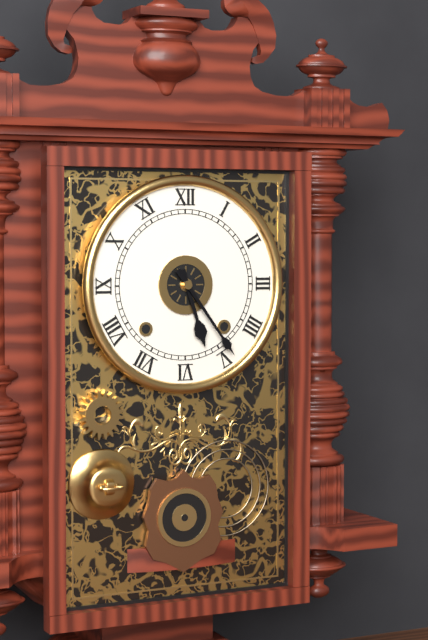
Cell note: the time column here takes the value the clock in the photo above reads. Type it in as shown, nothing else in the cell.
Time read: 5:24
